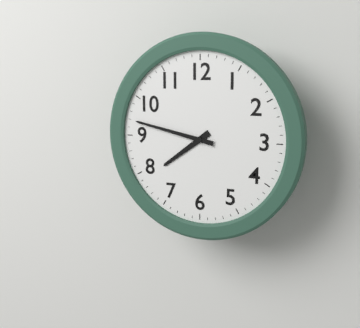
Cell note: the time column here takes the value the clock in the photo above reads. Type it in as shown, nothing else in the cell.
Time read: 7:47
